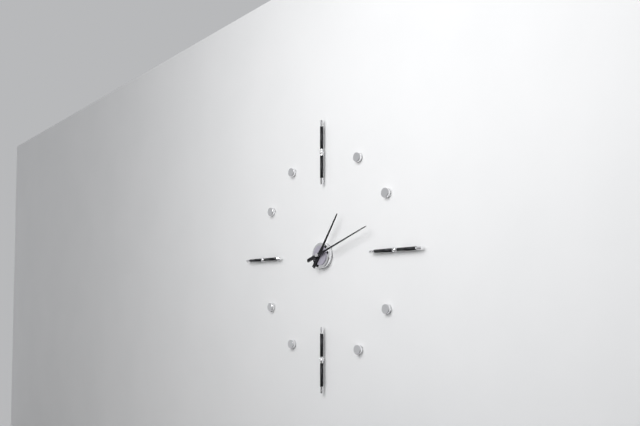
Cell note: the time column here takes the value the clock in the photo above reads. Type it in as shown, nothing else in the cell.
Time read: 1:12
